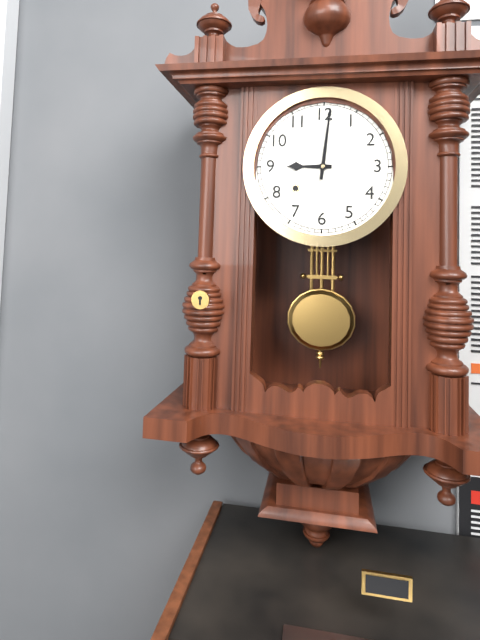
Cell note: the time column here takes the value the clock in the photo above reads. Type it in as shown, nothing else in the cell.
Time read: 9:01
